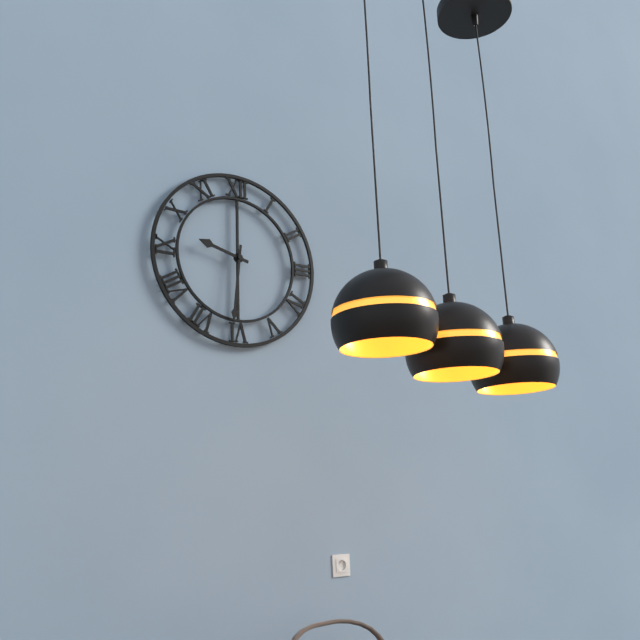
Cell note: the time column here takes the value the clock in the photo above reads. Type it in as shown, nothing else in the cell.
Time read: 9:31
